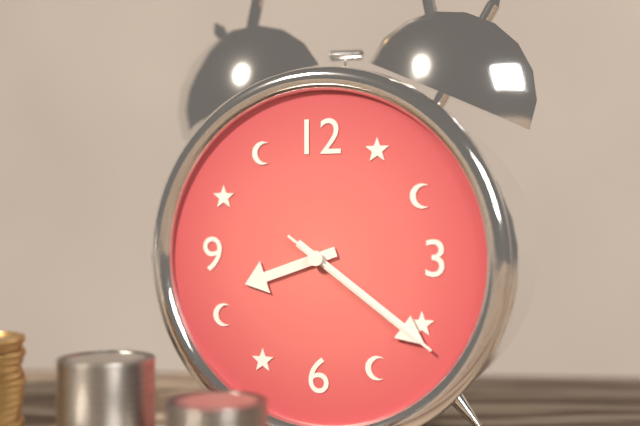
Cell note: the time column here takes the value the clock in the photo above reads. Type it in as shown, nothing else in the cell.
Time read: 8:21:21
